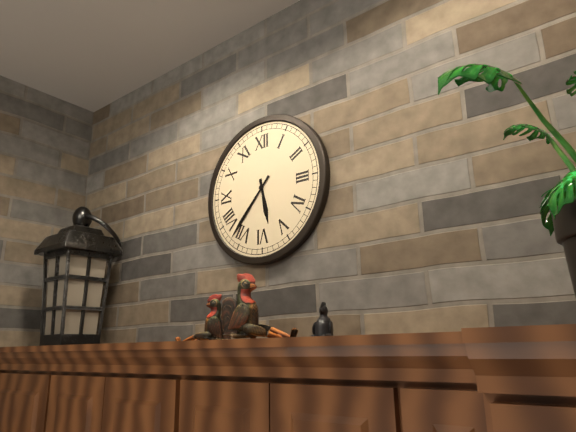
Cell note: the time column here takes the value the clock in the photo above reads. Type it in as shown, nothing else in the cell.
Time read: 5:37
